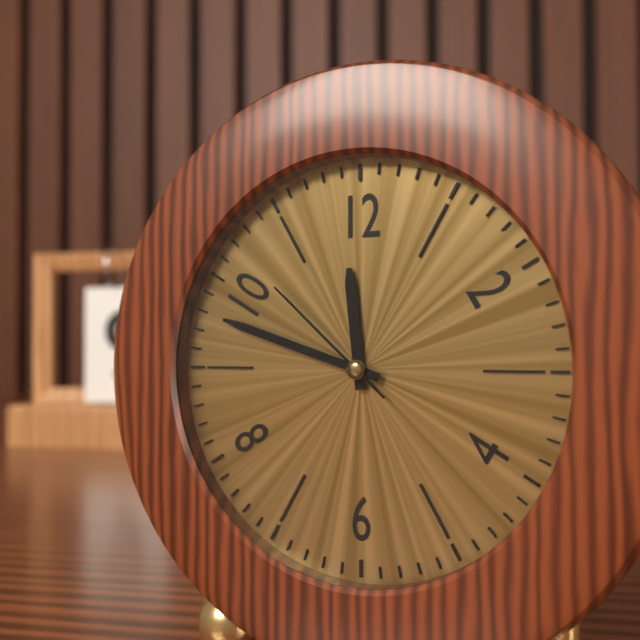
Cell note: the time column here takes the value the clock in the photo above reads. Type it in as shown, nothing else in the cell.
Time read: 11:48:52
